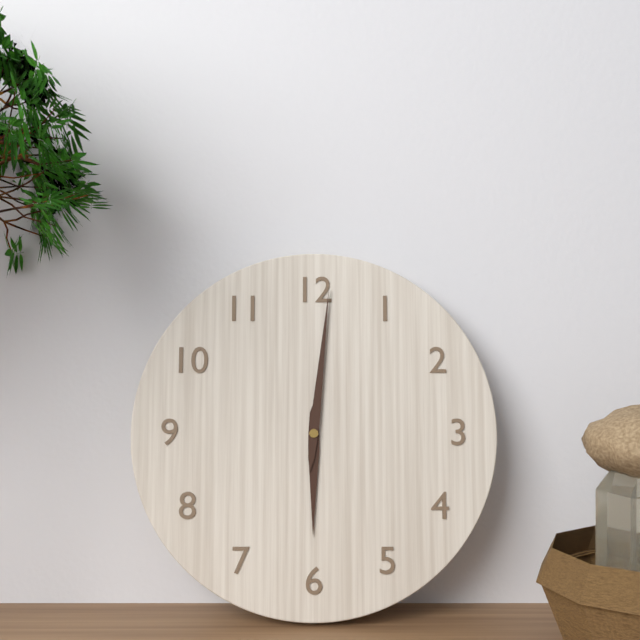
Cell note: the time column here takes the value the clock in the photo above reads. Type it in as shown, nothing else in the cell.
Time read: 6:01
